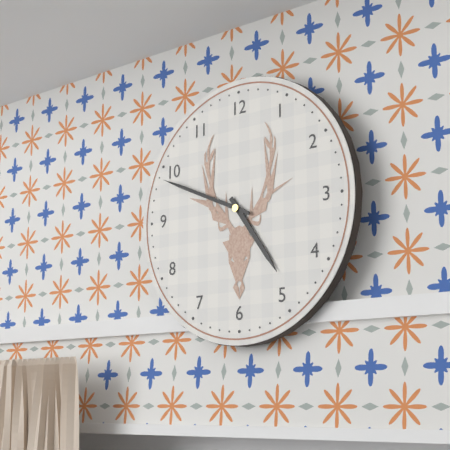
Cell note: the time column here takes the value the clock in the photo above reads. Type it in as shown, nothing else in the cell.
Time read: 4:49
